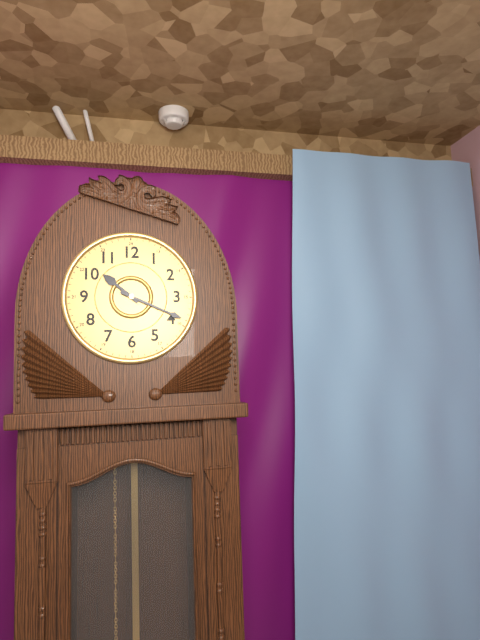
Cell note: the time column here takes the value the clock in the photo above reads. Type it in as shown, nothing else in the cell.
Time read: 10:19
